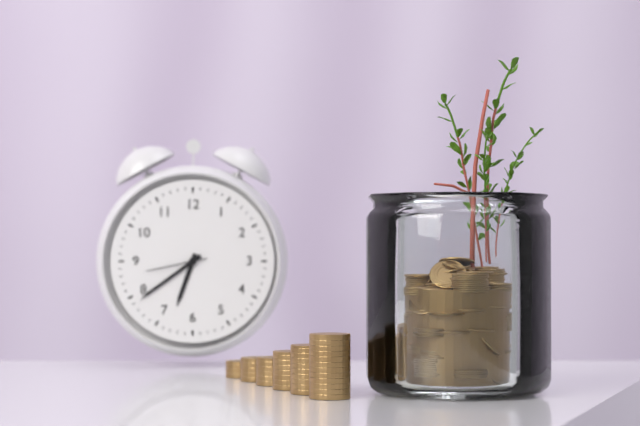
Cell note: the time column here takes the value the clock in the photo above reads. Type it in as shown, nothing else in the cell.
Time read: 6:39:43
